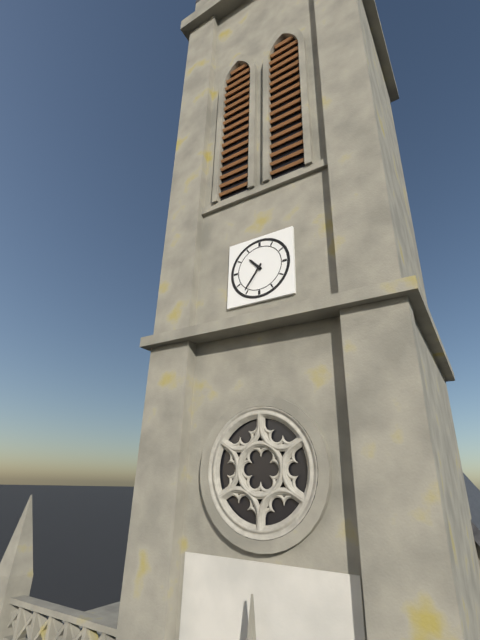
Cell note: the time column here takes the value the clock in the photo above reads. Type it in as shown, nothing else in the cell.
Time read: 10:36
